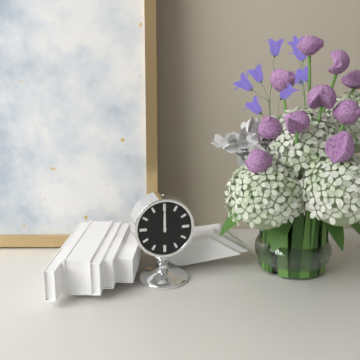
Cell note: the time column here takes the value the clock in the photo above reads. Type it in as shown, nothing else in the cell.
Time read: 12:00
